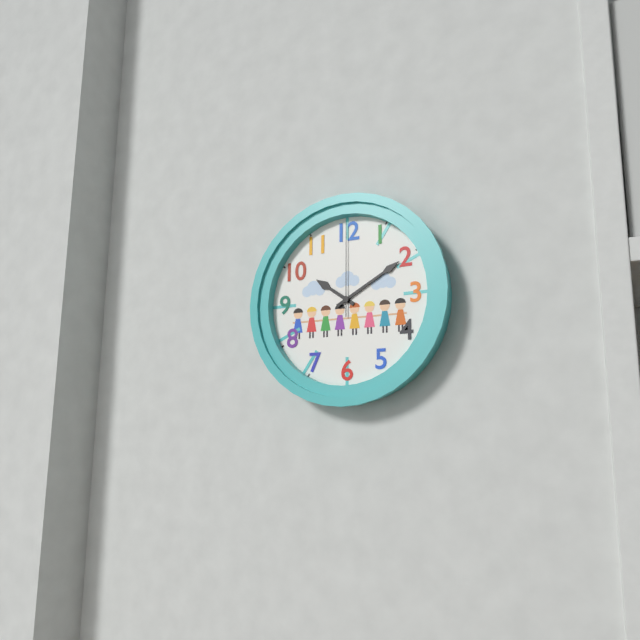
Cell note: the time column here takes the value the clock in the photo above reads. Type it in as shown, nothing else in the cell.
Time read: 10:10:00
